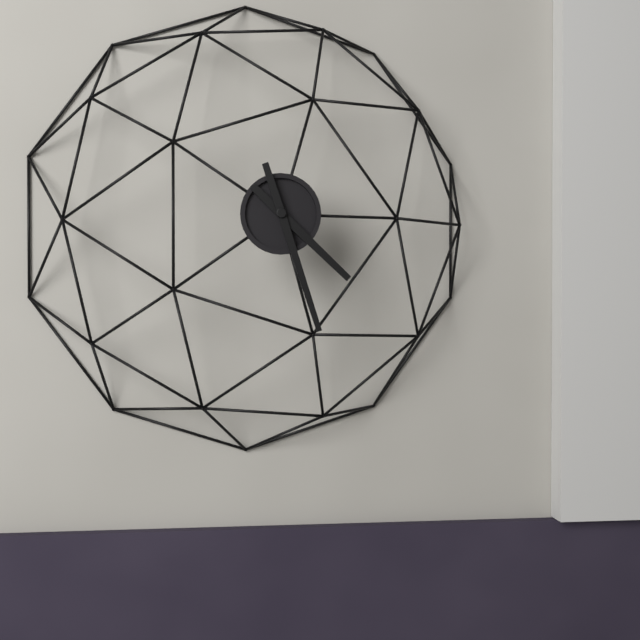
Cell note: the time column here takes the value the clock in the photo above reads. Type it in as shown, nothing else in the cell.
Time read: 4:27
